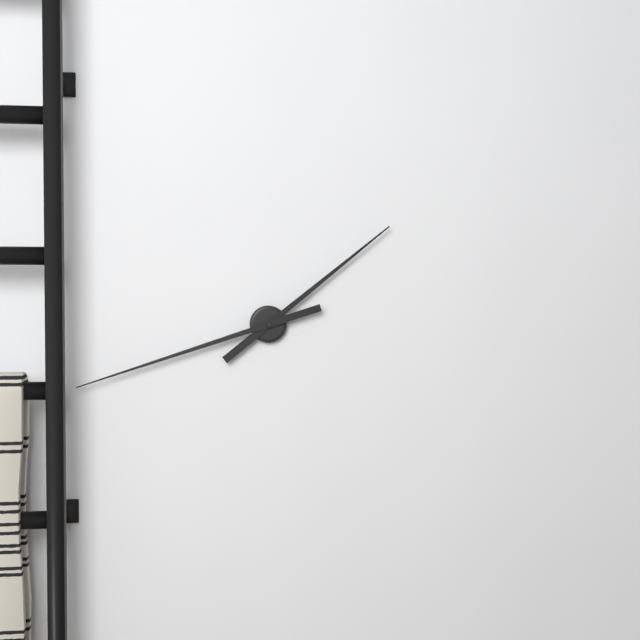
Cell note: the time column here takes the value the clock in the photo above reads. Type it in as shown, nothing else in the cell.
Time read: 1:42
